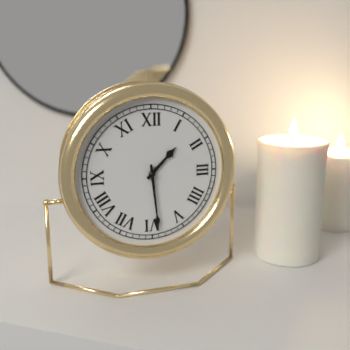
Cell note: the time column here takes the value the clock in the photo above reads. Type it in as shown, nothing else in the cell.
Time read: 1:29
